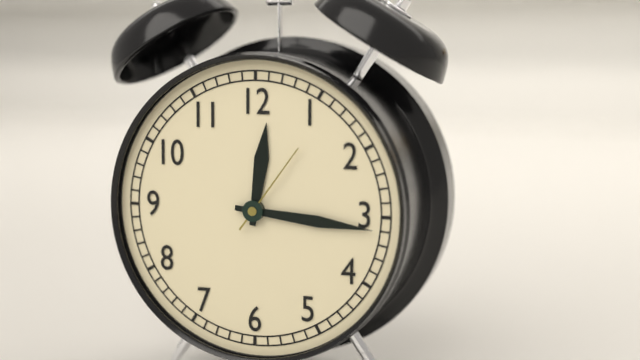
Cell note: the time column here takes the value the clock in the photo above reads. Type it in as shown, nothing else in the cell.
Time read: 12:16:06
